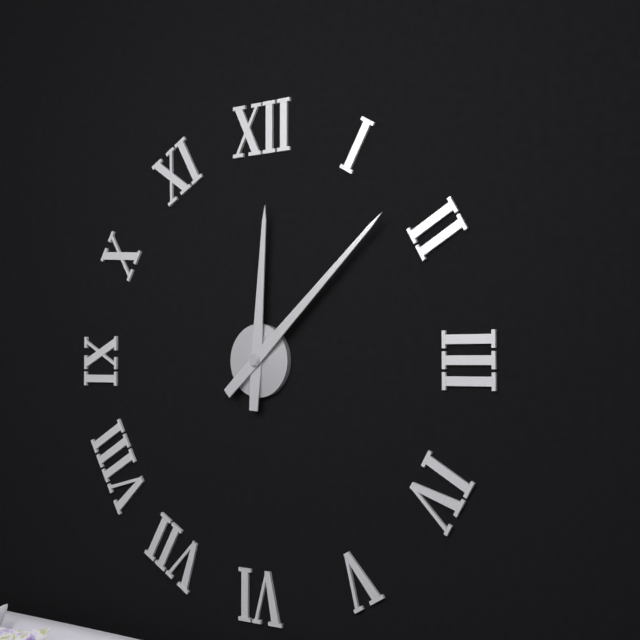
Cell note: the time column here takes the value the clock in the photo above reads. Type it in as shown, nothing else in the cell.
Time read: 12:08
